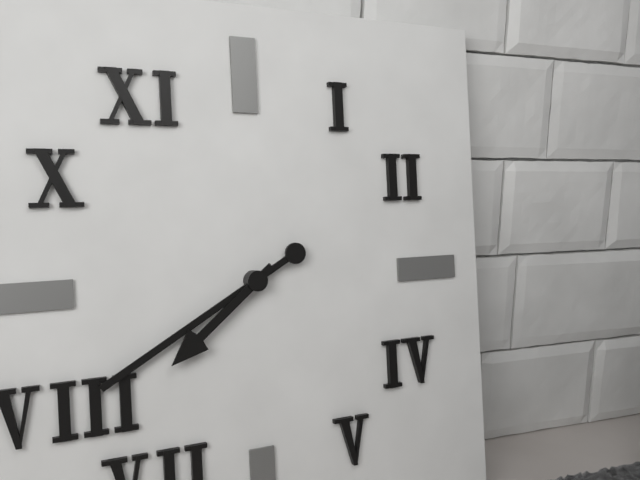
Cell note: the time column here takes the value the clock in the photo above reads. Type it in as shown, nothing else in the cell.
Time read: 7:40
